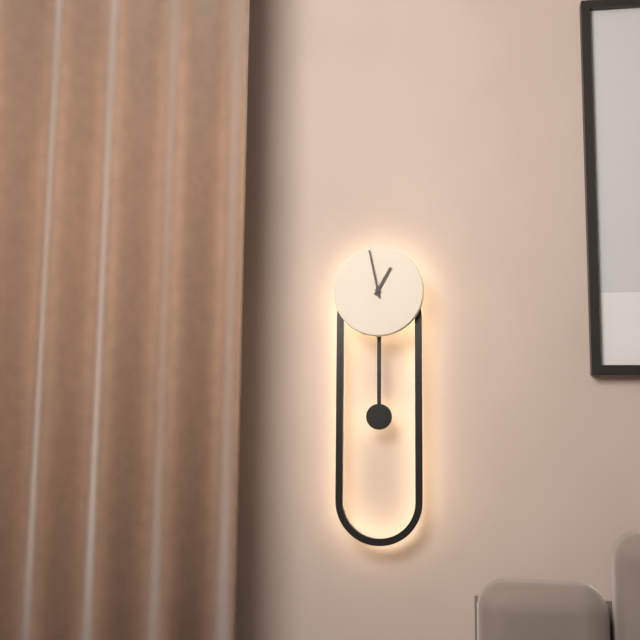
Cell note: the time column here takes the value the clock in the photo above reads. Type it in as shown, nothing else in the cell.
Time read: 12:58
